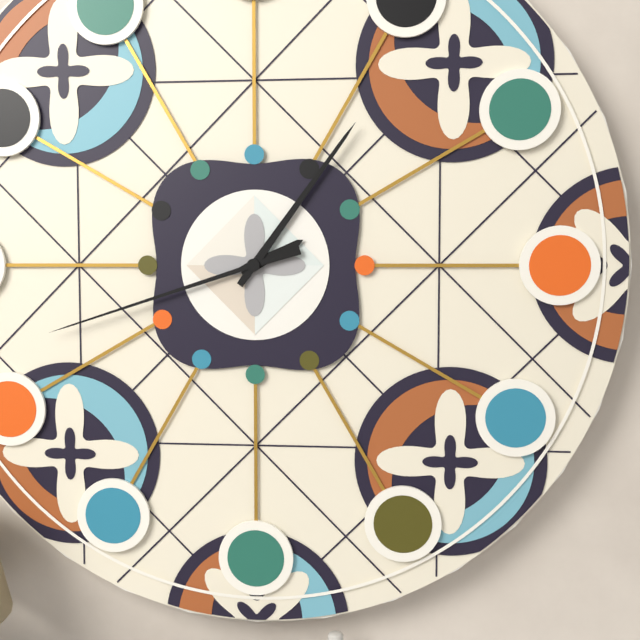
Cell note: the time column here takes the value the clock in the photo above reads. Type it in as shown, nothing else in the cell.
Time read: 2:06:42
